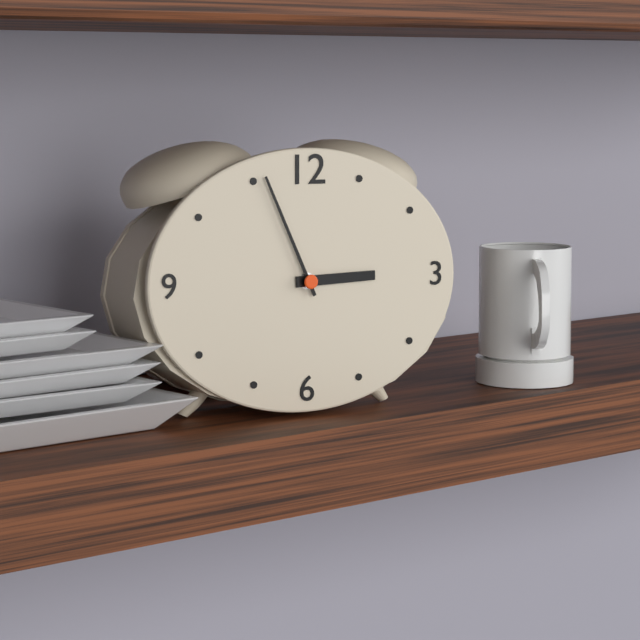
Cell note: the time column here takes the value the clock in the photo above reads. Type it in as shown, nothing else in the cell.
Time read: 2:56
